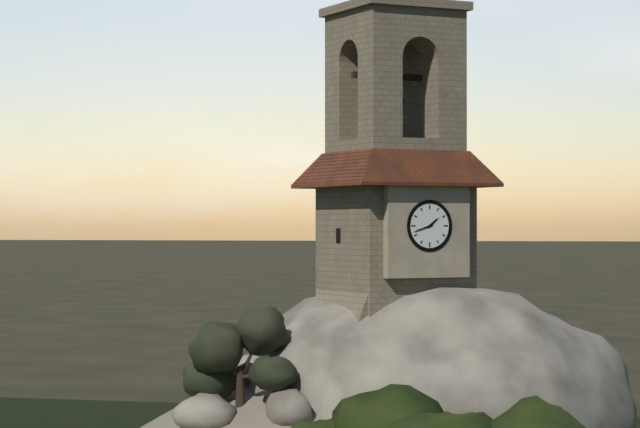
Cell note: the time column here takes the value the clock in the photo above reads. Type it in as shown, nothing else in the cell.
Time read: 1:42
